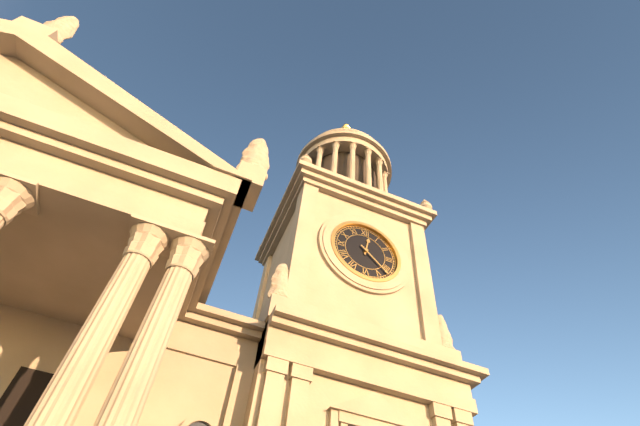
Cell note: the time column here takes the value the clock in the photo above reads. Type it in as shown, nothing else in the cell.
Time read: 12:22
